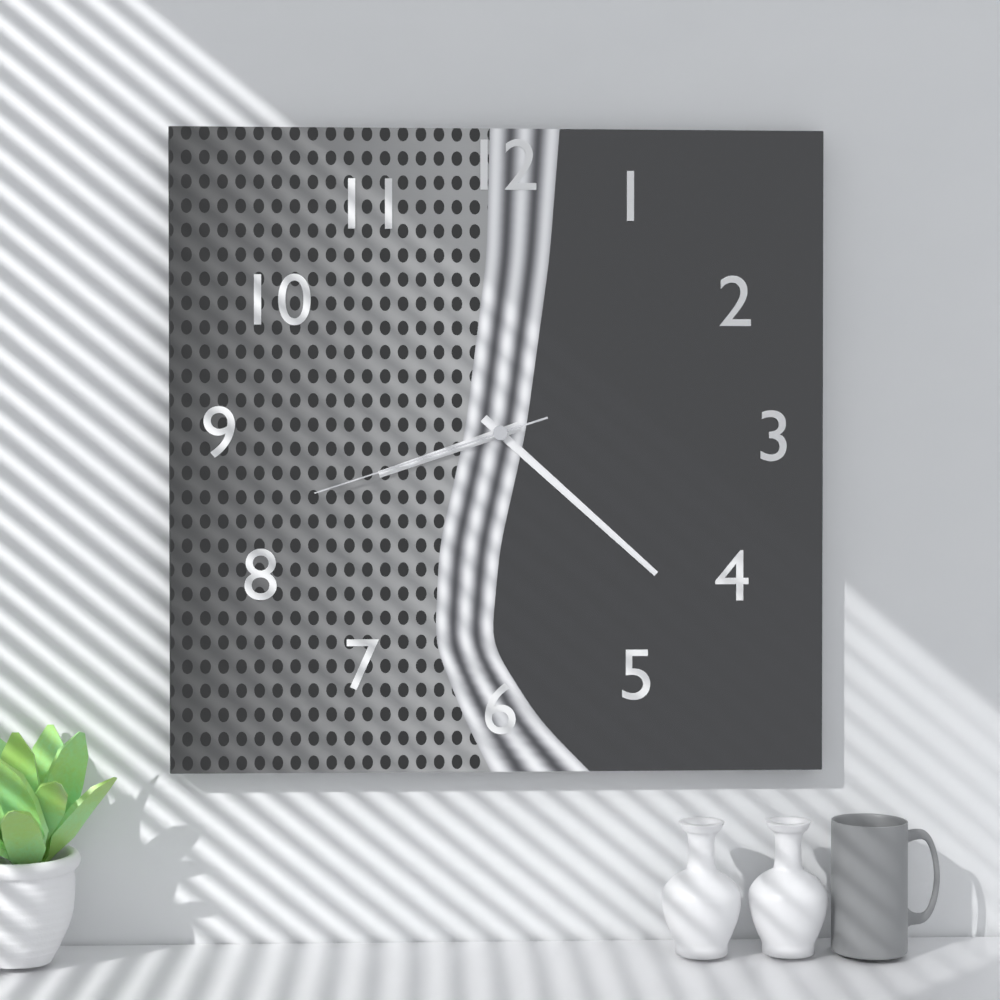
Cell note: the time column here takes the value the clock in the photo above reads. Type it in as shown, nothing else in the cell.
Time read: 8:22:42
